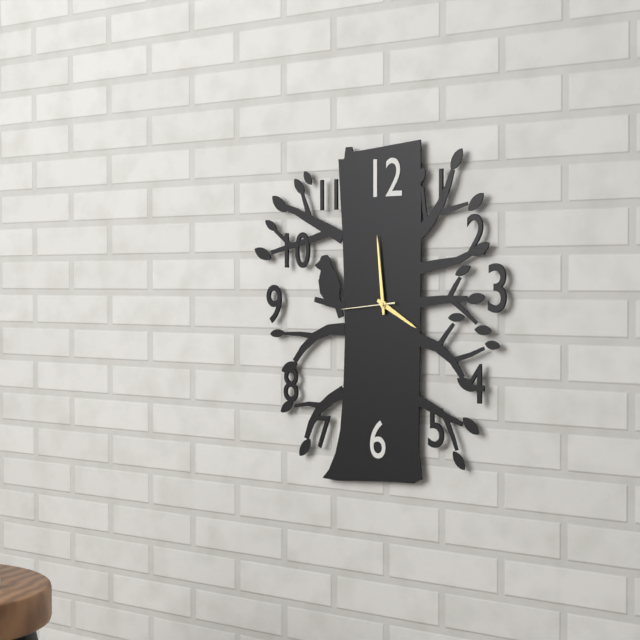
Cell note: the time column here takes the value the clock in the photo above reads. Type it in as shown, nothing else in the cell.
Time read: 3:59:44
